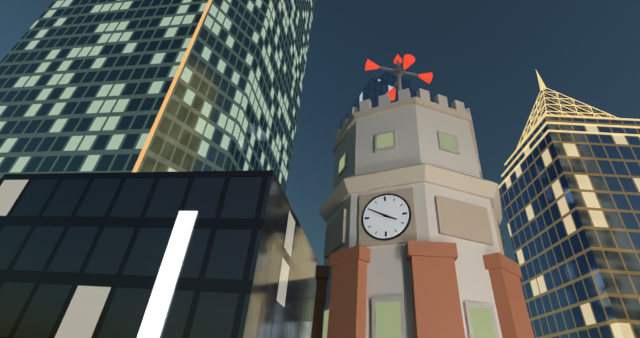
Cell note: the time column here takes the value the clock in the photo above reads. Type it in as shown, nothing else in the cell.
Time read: 3:50
